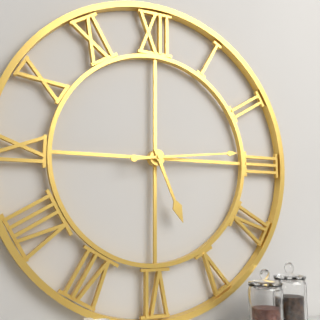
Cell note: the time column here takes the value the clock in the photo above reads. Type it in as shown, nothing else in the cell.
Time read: 5:14
